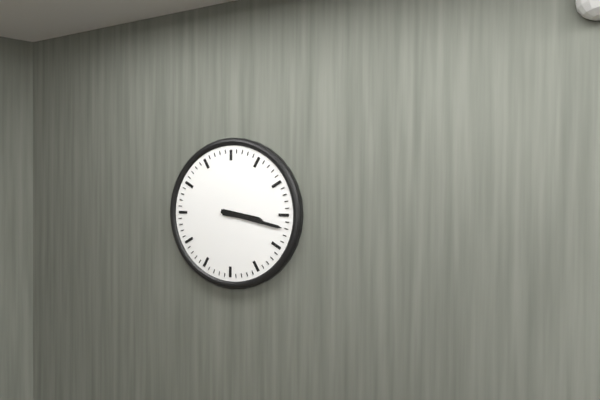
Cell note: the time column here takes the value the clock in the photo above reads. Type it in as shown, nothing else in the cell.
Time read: 3:17
